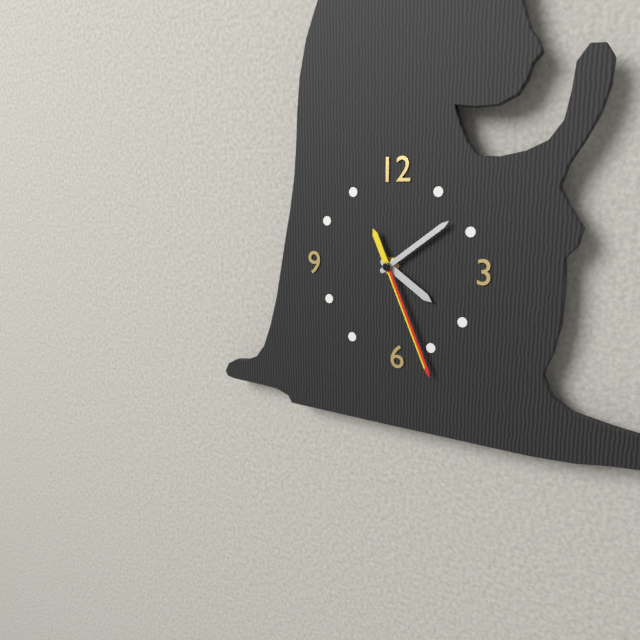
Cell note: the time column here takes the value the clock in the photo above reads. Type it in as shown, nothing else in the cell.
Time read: 4:09:26
